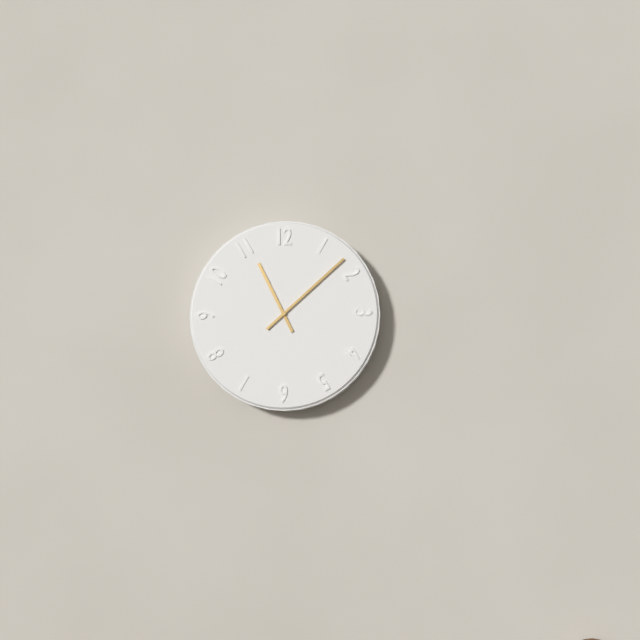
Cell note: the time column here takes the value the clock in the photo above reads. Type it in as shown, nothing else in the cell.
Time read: 11:08
